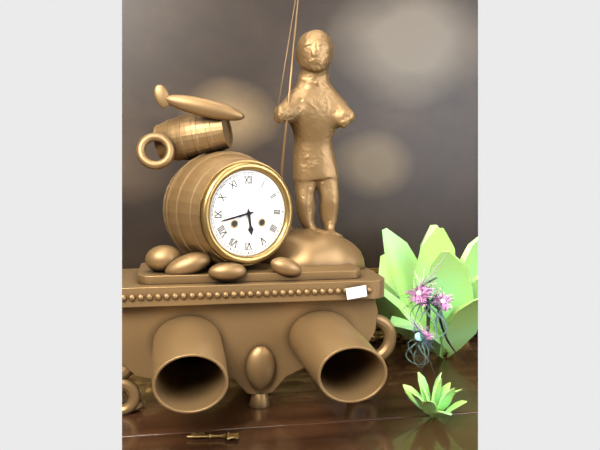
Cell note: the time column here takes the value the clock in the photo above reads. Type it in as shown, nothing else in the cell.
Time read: 5:43
